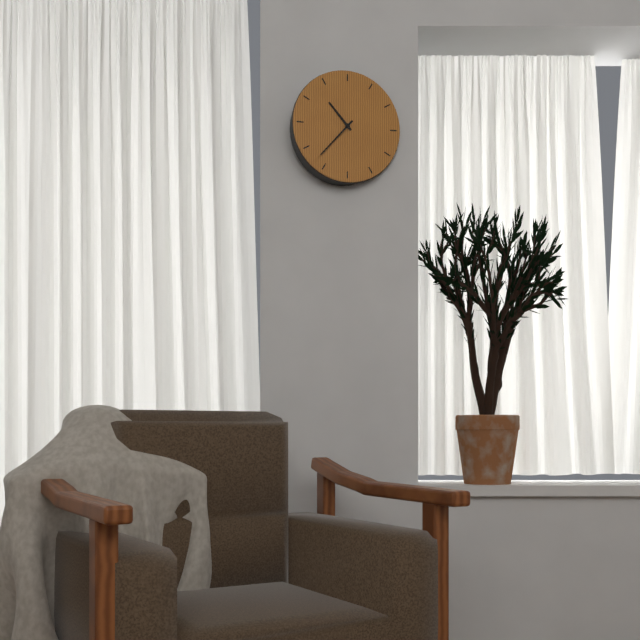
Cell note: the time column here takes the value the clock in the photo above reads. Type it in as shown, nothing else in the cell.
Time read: 10:37
